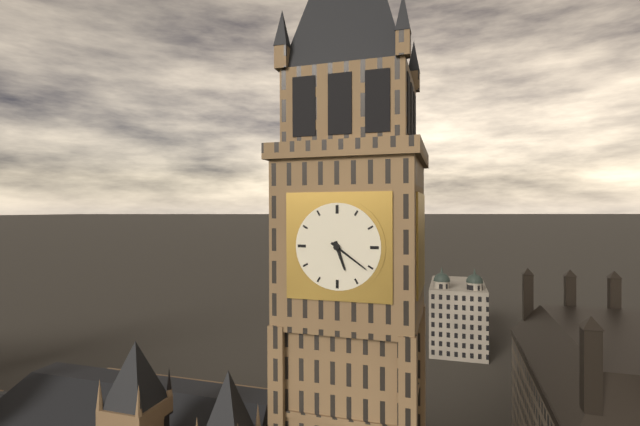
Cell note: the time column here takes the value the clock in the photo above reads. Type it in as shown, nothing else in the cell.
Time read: 5:21
